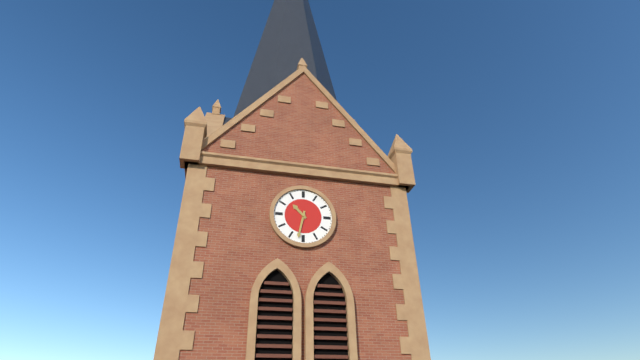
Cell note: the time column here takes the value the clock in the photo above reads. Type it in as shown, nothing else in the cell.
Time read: 10:32
